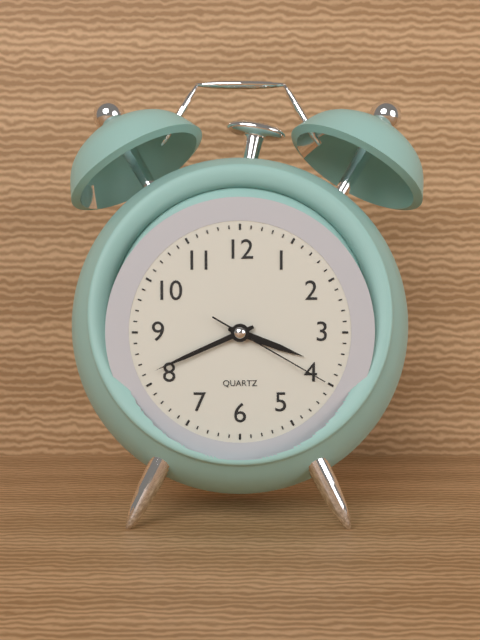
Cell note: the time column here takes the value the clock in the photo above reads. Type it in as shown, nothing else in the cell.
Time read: 3:41:20
